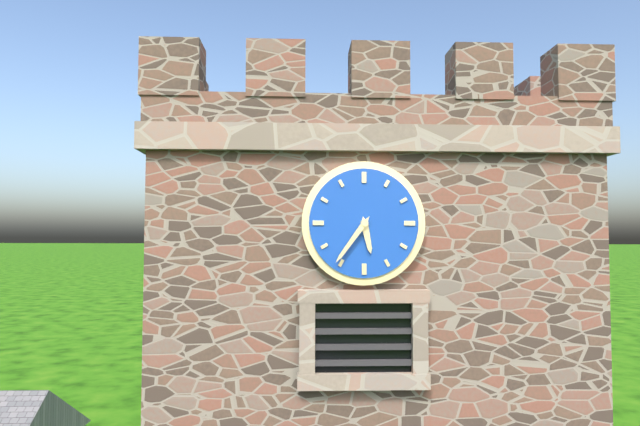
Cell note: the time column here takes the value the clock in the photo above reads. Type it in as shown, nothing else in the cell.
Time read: 5:36
